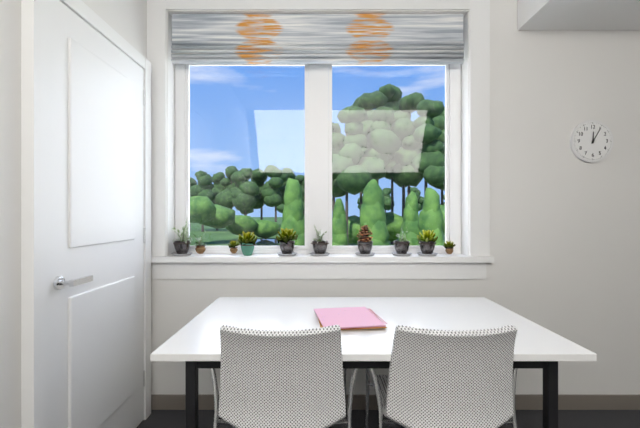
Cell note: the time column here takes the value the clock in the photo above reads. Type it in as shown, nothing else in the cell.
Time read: 12:05
